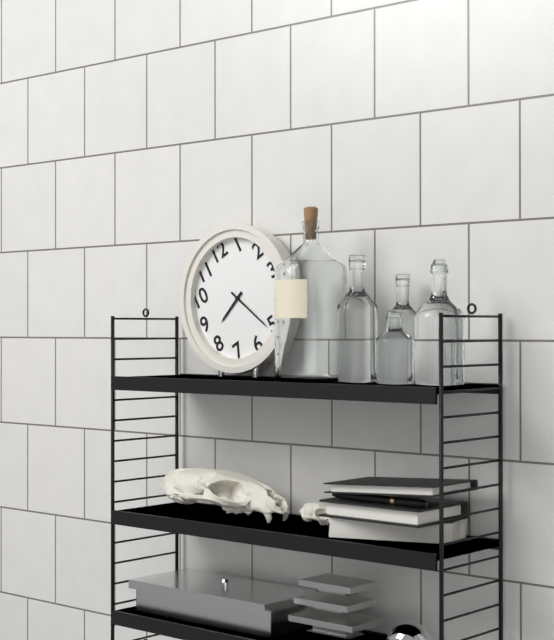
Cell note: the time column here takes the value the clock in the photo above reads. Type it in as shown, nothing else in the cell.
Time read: 8:26
